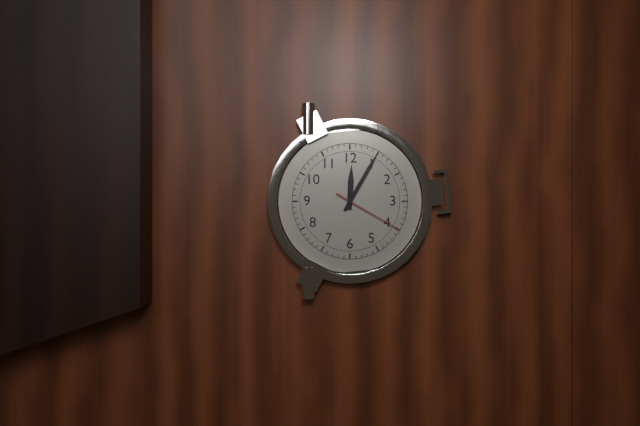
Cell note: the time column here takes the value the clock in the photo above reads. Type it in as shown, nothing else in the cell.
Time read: 12:05:20
